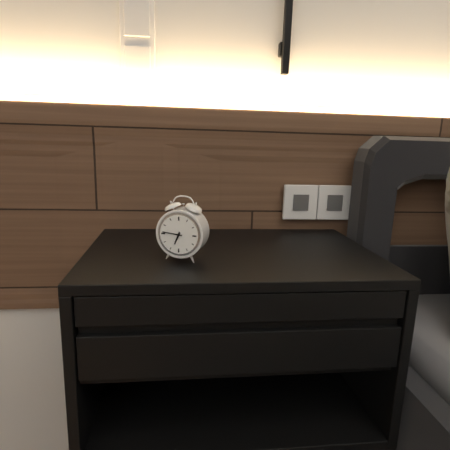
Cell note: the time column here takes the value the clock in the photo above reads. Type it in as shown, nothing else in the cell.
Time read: 6:46
